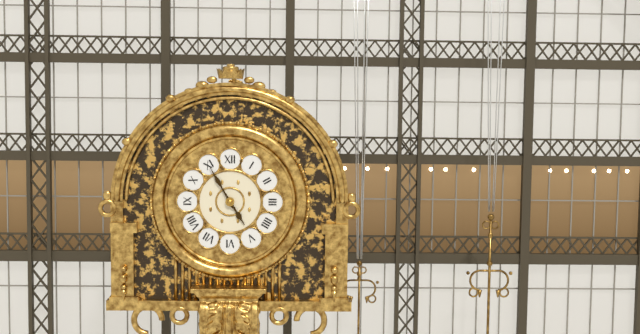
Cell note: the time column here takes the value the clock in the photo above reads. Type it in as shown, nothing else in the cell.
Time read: 4:55
